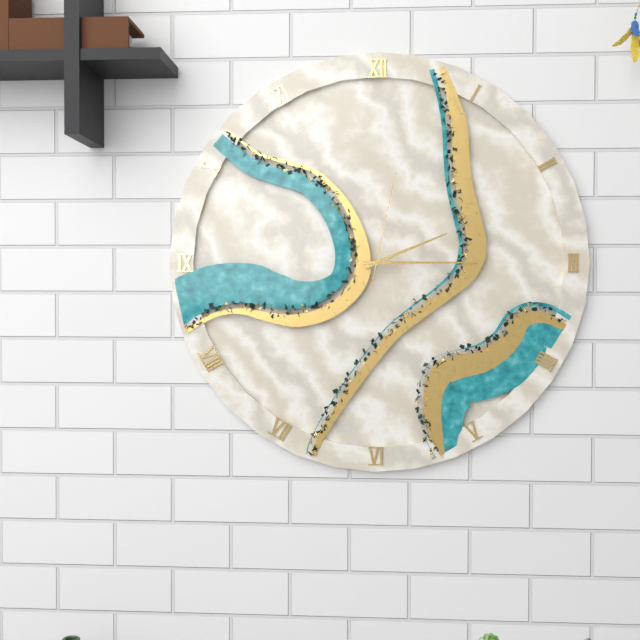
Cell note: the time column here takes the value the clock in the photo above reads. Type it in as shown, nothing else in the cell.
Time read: 2:15:02
